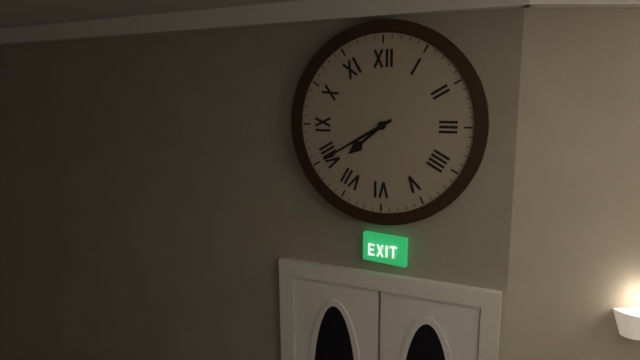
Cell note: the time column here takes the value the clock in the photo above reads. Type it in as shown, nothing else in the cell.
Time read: 7:40
